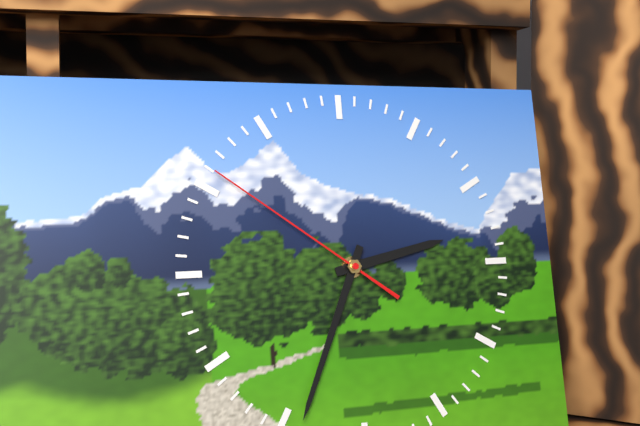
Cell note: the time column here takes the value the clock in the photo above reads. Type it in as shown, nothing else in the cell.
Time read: 2:34:51
